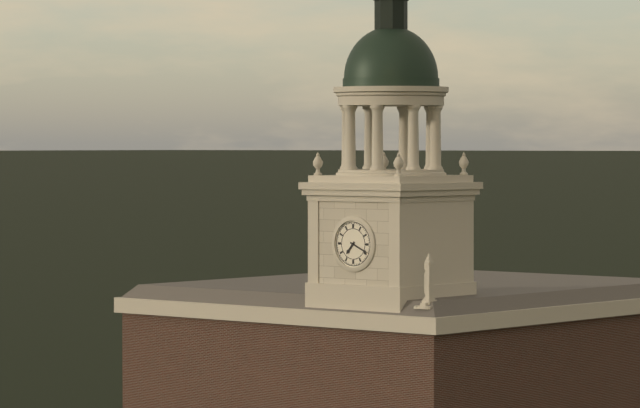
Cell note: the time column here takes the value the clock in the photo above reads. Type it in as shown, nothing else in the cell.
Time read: 7:19
